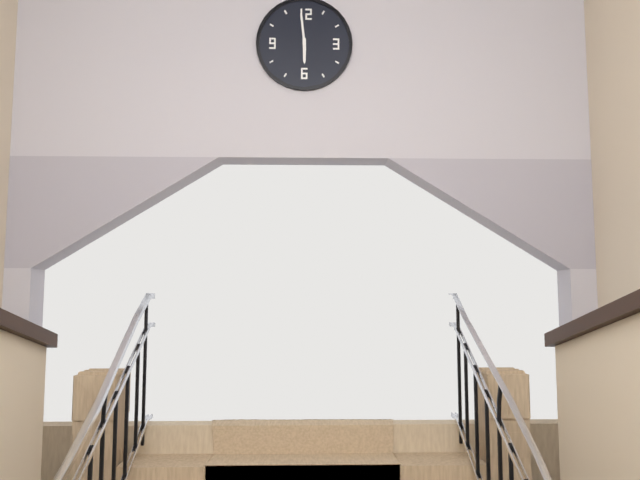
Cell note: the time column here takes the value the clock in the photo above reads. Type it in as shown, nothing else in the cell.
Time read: 5:59
